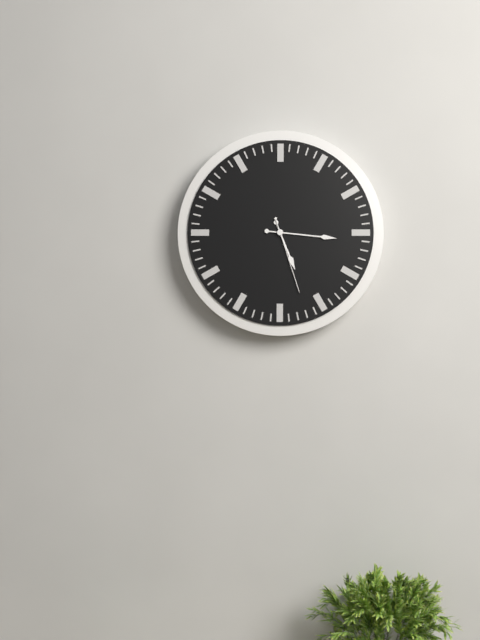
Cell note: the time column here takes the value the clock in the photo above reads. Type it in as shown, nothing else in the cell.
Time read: 5:16:27
